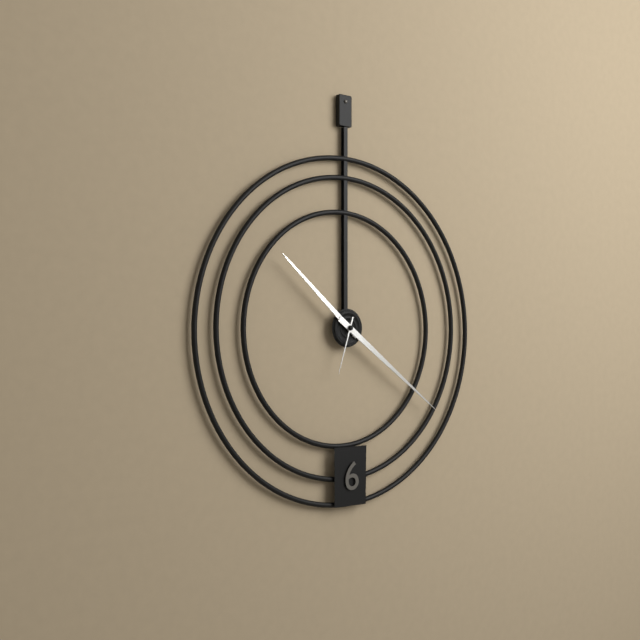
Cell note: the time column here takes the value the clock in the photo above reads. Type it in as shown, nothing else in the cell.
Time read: 10:21:33
